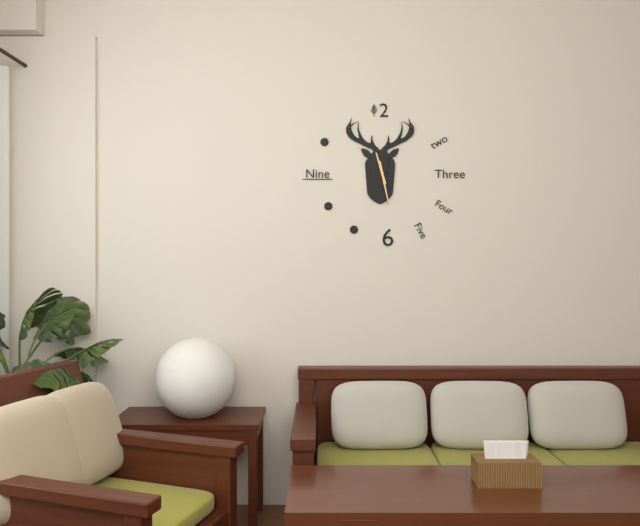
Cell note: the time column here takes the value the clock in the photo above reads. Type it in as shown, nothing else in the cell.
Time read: 11:28
